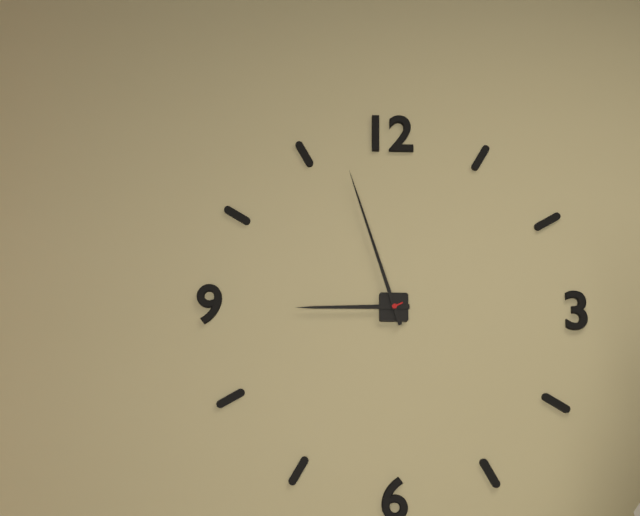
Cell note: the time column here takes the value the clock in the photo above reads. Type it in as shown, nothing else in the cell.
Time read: 8:57
